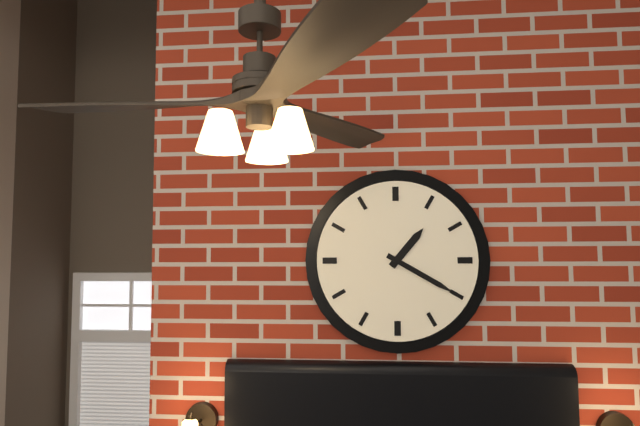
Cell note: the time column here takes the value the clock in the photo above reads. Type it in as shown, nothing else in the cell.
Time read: 1:20
